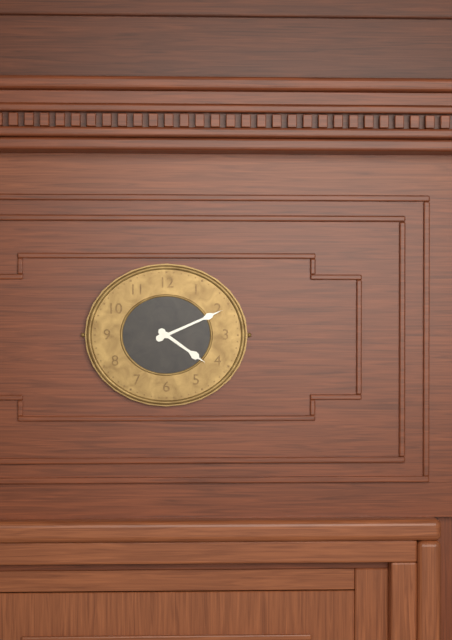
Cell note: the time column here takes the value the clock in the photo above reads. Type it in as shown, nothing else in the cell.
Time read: 4:11
